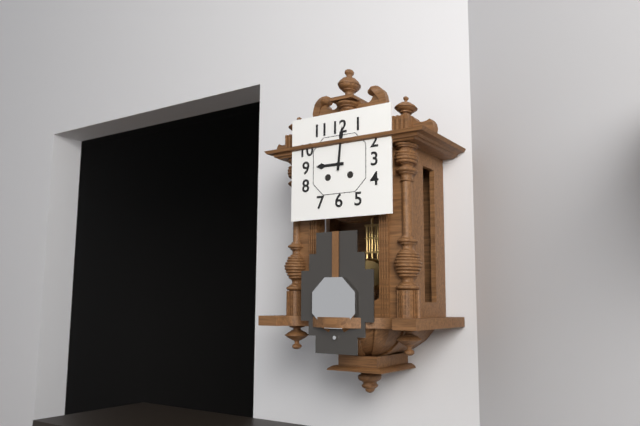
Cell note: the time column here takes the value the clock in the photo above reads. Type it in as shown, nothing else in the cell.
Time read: 9:01
